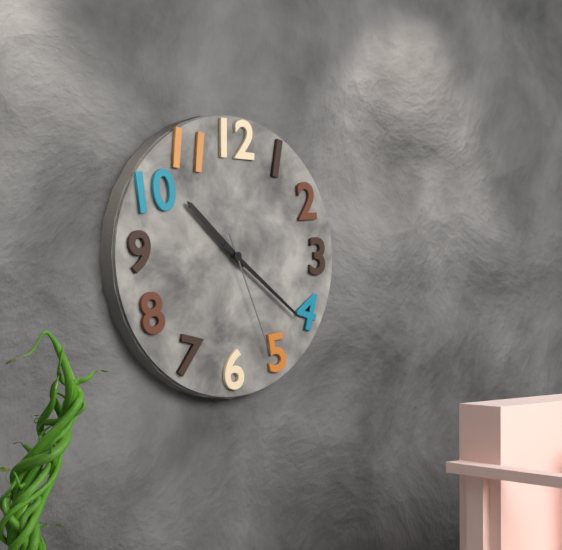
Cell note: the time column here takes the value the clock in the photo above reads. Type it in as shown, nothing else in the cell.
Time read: 10:21:26
